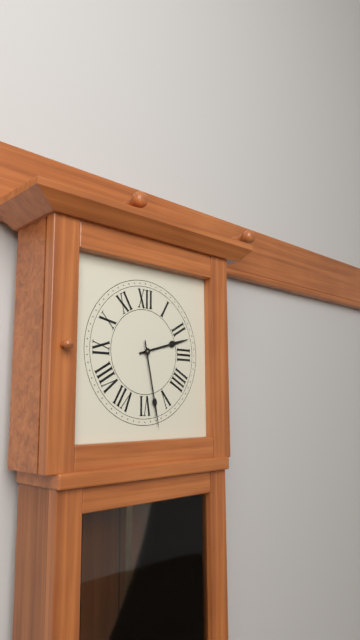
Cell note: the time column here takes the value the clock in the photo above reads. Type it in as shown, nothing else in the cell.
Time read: 2:28
